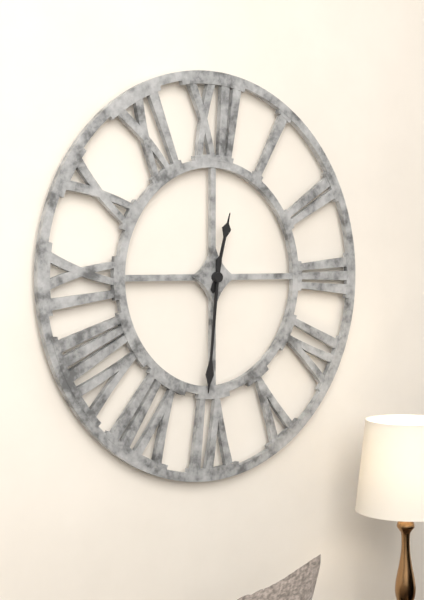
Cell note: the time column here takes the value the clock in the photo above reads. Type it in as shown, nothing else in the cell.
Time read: 12:31
